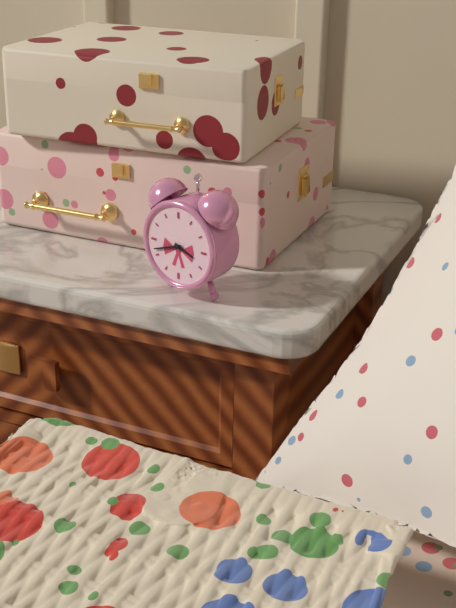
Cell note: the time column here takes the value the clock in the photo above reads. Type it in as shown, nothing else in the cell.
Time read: 3:42
